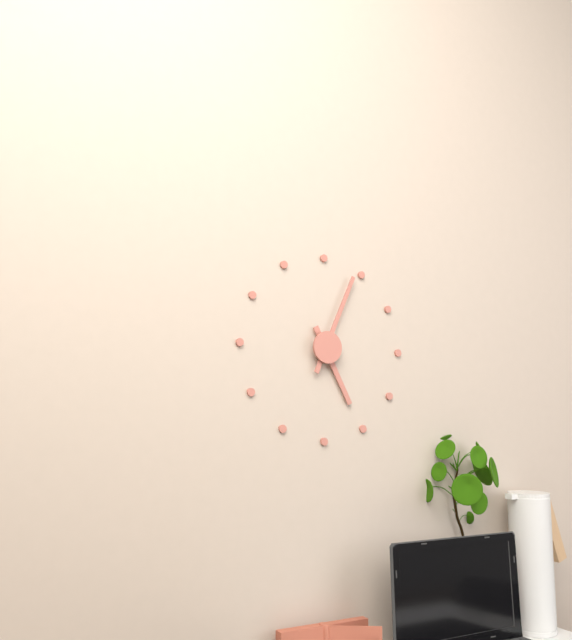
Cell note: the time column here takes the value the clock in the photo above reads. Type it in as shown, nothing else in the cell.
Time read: 5:04
